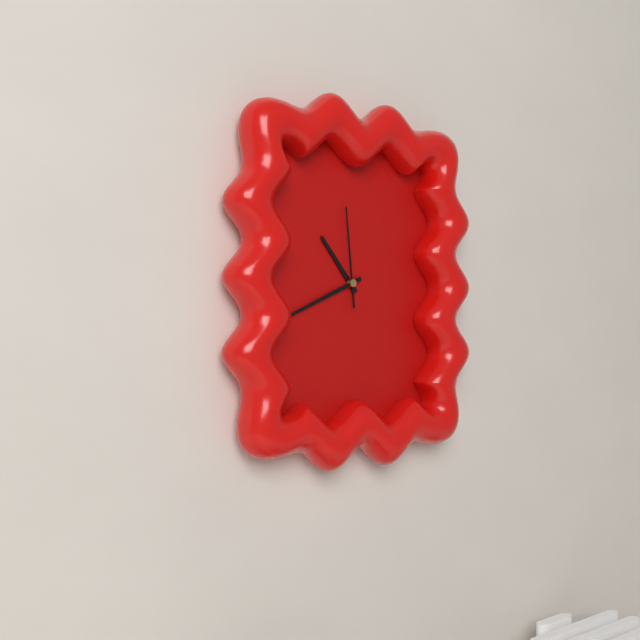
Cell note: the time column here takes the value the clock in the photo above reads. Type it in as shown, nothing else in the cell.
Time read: 10:41:59
